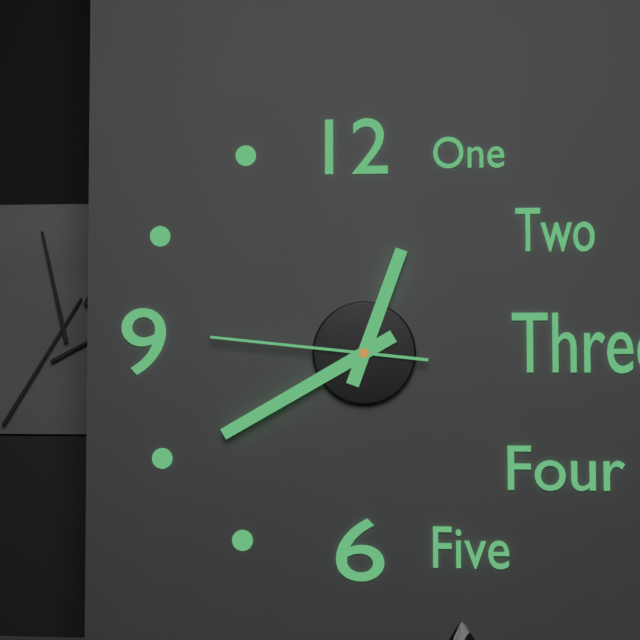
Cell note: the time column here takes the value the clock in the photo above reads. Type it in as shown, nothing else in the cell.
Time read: 12:40:46
